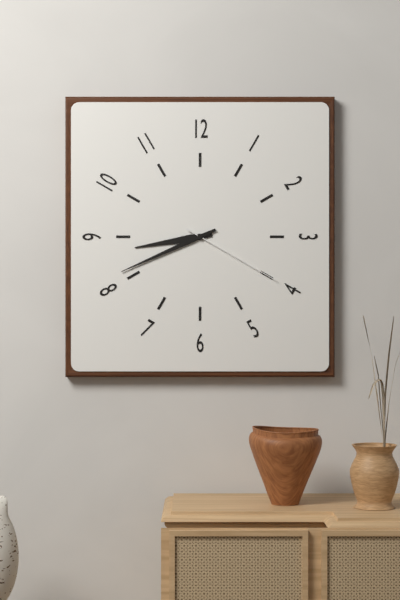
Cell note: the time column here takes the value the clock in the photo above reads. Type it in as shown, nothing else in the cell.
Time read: 8:41:20
